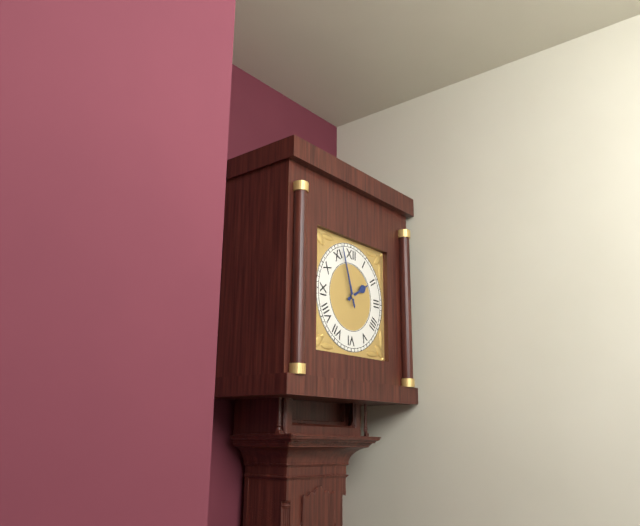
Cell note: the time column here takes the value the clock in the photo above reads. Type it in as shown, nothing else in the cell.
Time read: 1:57
